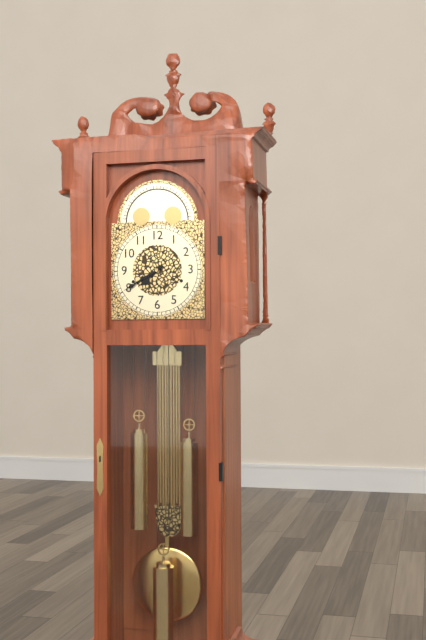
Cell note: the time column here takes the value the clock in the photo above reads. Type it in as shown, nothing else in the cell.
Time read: 7:40
